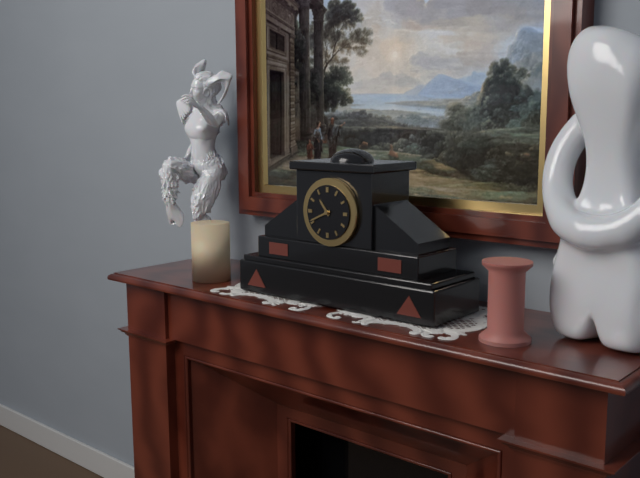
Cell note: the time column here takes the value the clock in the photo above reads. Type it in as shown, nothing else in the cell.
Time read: 10:41
